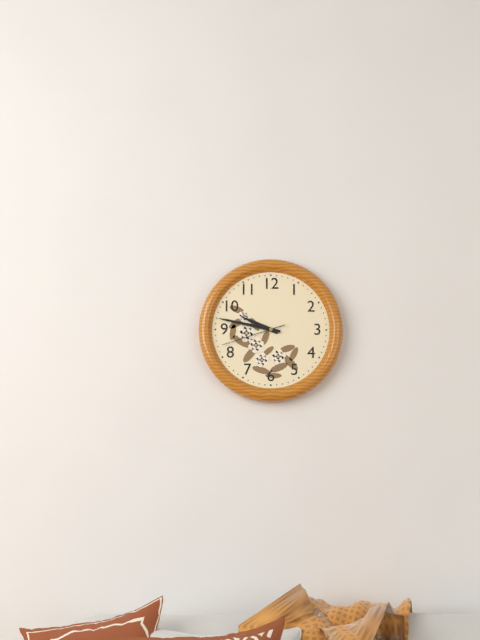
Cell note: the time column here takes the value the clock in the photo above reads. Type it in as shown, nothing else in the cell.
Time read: 9:47:42
